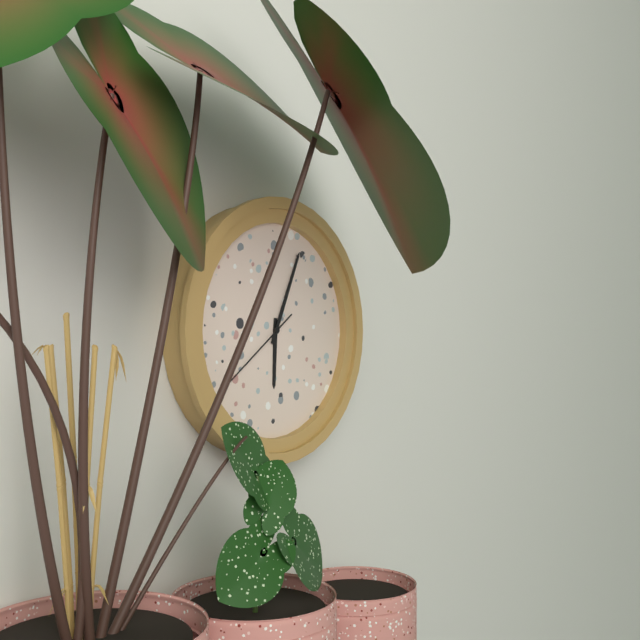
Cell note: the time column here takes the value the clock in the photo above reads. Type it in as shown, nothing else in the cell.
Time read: 6:04:39
